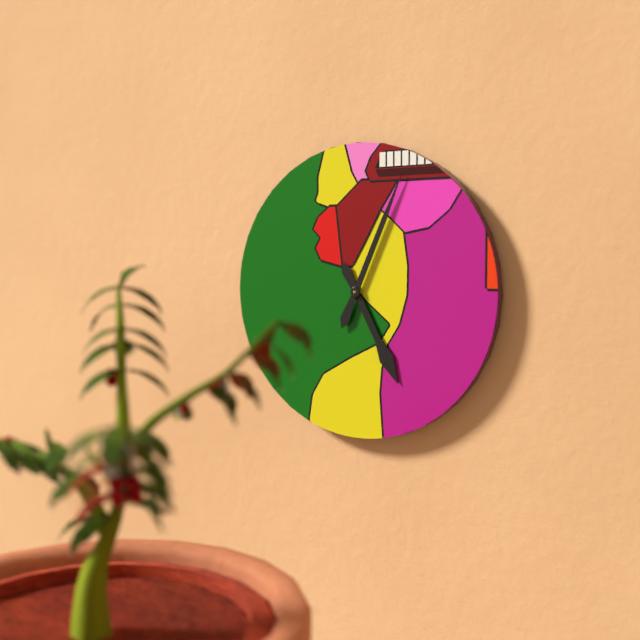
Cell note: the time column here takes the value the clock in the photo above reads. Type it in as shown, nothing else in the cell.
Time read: 5:04
